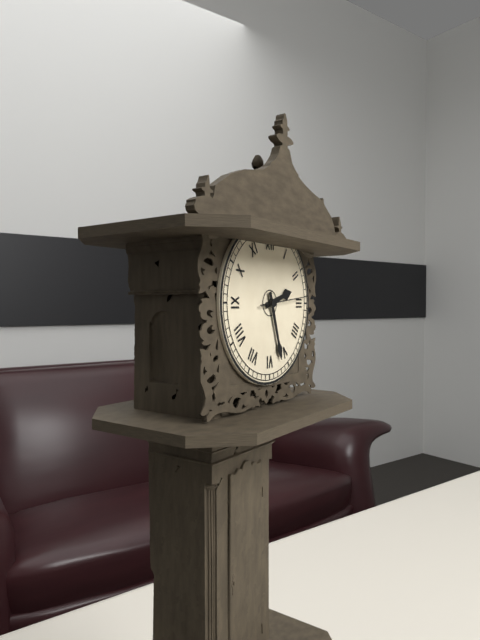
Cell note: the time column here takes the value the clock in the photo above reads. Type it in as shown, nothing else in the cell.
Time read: 2:27
